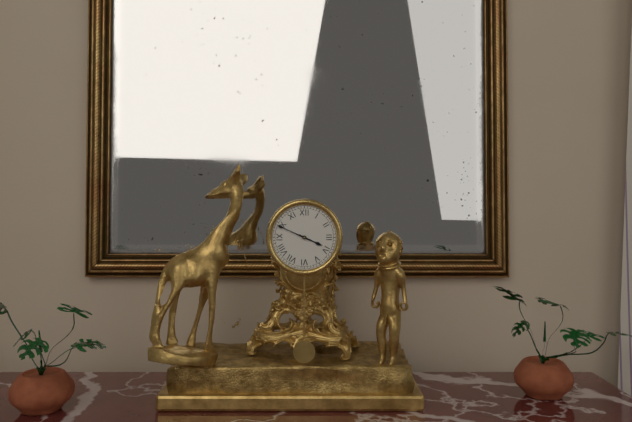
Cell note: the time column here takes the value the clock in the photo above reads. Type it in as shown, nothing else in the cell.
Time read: 3:49
